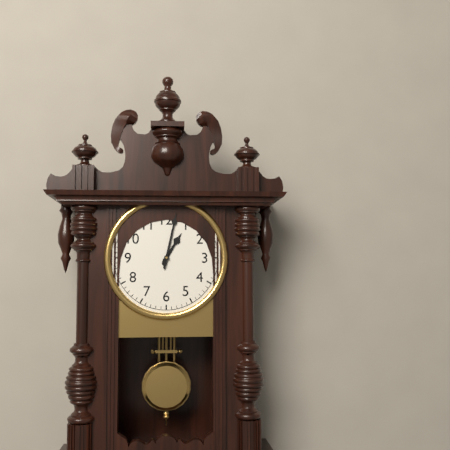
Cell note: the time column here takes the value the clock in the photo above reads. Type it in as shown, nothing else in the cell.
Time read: 1:02
